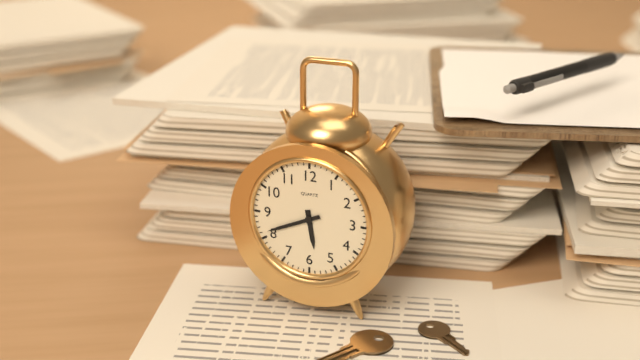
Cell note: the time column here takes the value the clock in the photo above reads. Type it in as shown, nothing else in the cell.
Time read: 5:41
